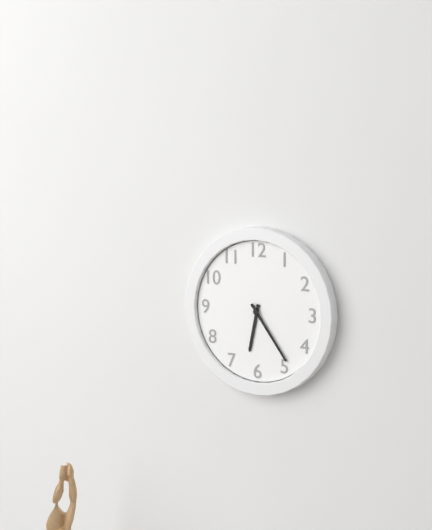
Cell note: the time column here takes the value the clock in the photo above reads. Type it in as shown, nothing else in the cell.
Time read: 6:24
